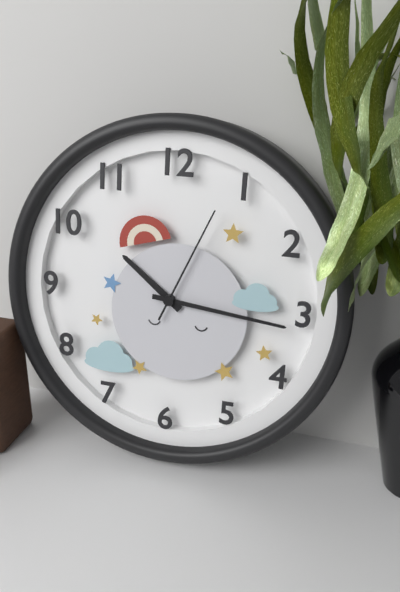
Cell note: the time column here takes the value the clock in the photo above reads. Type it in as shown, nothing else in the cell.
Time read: 10:16:04
